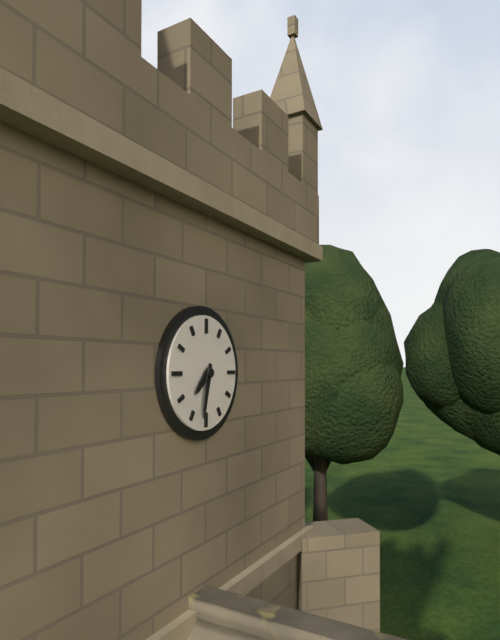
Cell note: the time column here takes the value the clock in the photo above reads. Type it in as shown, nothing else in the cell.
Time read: 7:32
